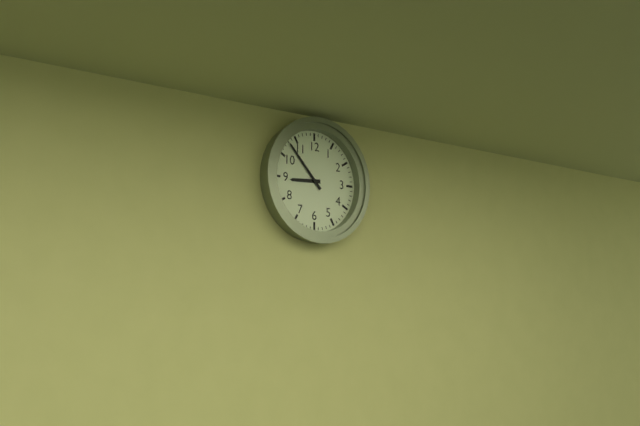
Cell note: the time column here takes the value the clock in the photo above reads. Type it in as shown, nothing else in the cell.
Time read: 8:53
